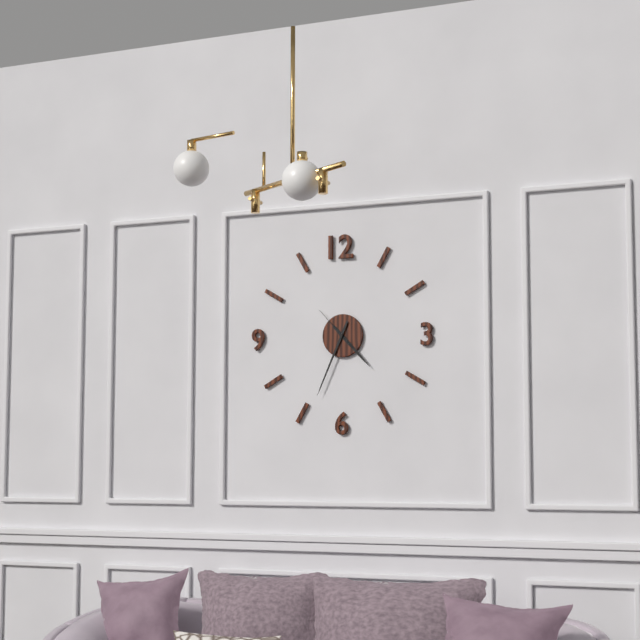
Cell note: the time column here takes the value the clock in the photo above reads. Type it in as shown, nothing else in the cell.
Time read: 4:34
